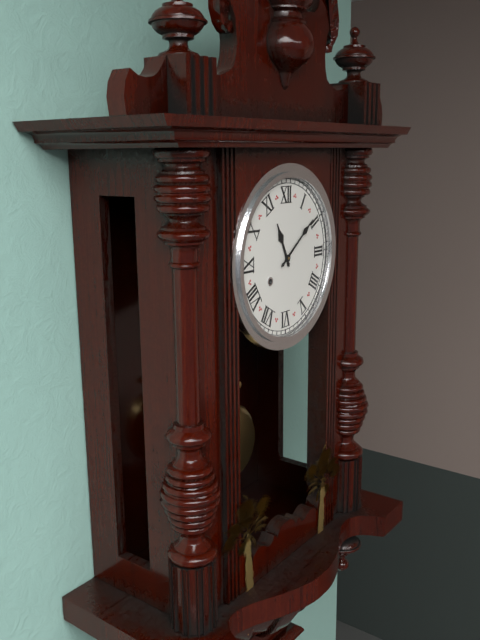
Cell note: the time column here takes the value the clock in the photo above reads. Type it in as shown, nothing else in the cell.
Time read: 11:09
